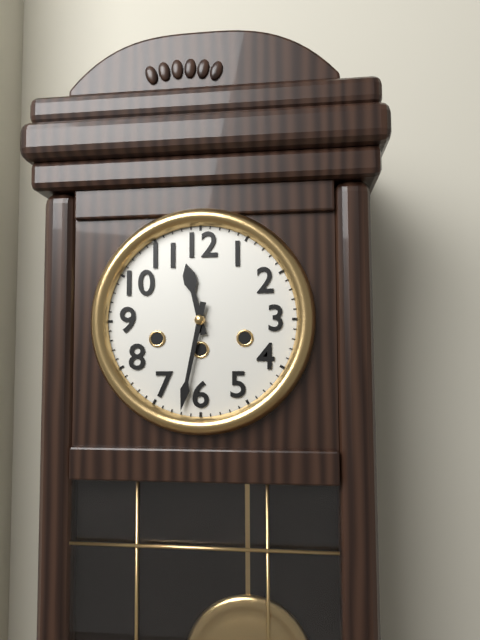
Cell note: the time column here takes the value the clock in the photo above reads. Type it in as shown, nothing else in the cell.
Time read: 11:32
